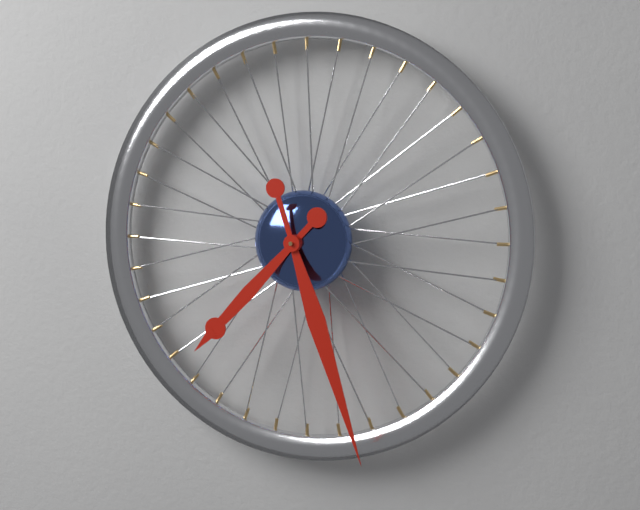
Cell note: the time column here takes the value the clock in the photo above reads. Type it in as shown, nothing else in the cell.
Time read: 7:27
